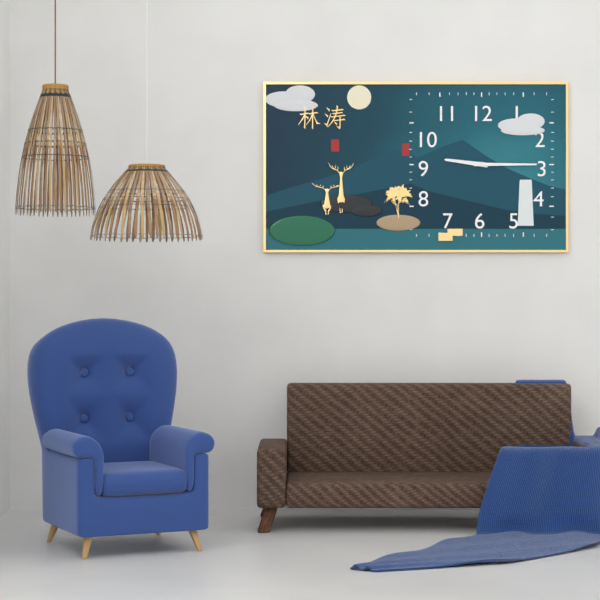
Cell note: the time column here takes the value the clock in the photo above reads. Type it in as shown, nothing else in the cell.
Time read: 9:15
